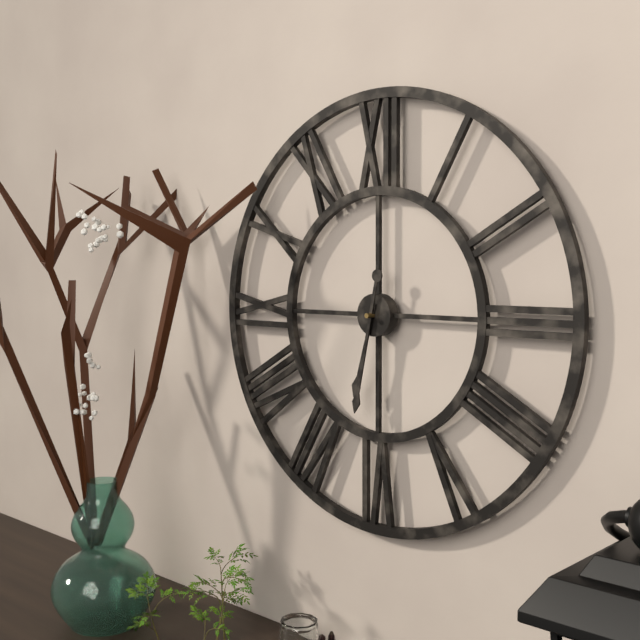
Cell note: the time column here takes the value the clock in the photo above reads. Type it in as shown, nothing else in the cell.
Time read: 6:32
